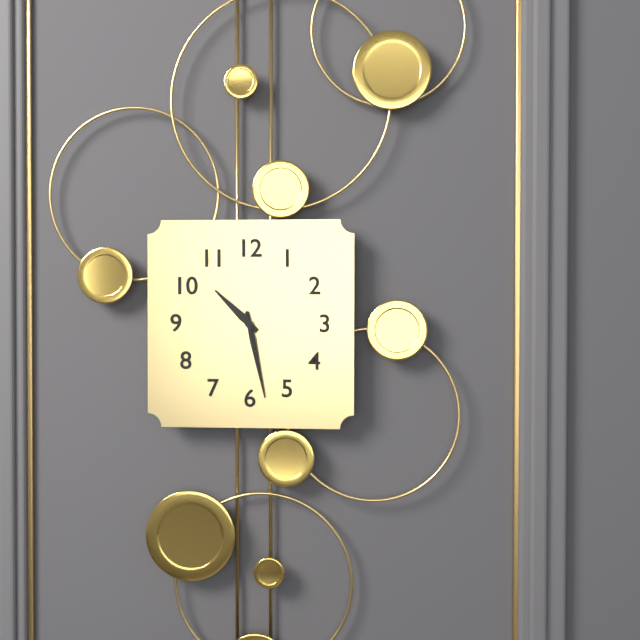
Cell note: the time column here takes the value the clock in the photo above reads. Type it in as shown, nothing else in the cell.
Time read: 10:28:28
